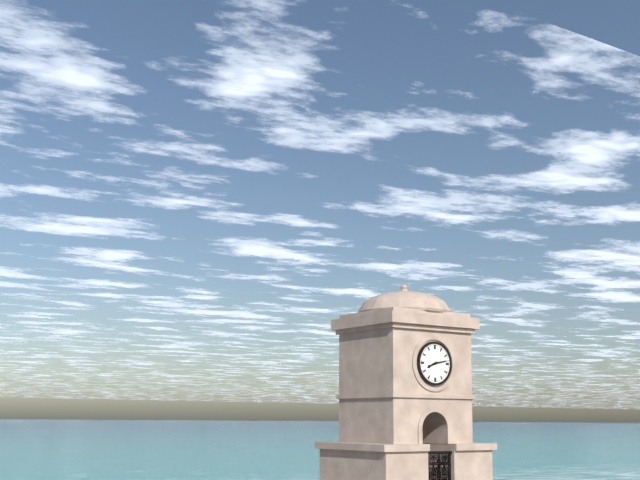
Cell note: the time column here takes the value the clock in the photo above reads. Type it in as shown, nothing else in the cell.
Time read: 8:13
